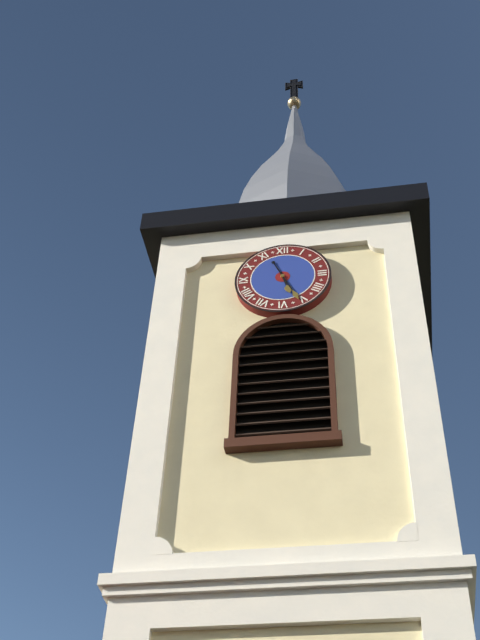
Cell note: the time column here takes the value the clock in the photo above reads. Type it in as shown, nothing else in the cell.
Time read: 5:26
